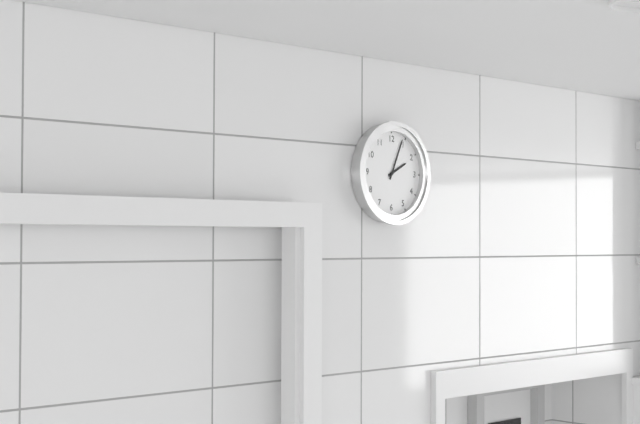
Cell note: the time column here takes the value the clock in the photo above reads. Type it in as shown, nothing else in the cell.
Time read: 2:04
